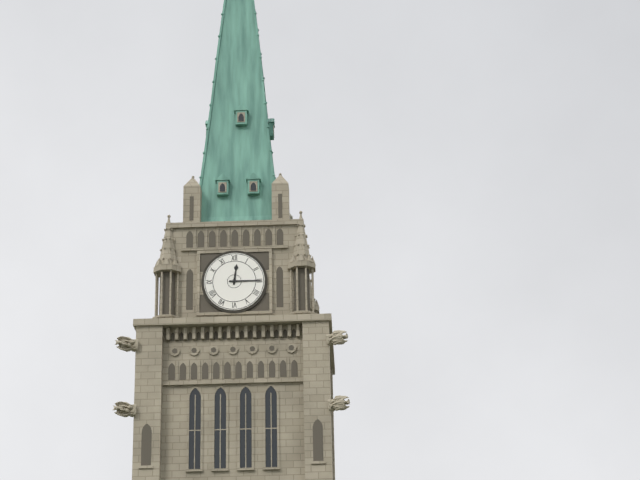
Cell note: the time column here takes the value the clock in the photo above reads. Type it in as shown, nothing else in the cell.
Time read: 12:15
